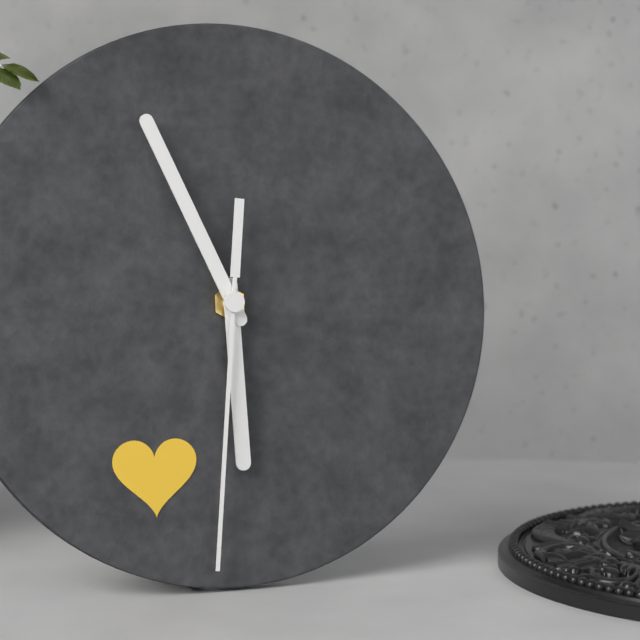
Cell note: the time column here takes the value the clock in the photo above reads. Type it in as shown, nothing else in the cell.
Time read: 5:56:31
